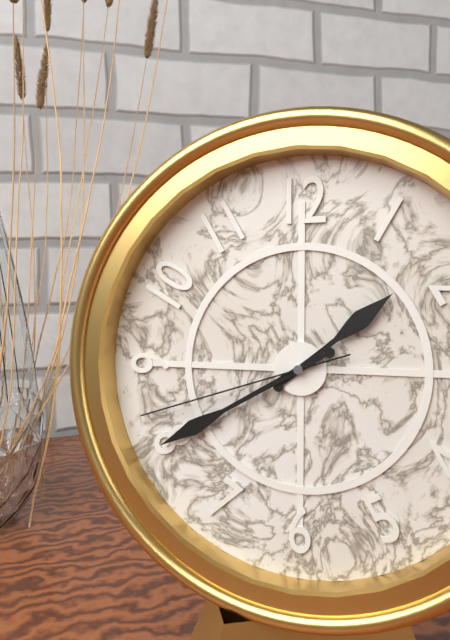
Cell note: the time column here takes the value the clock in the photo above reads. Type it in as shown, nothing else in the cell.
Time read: 1:40:42
